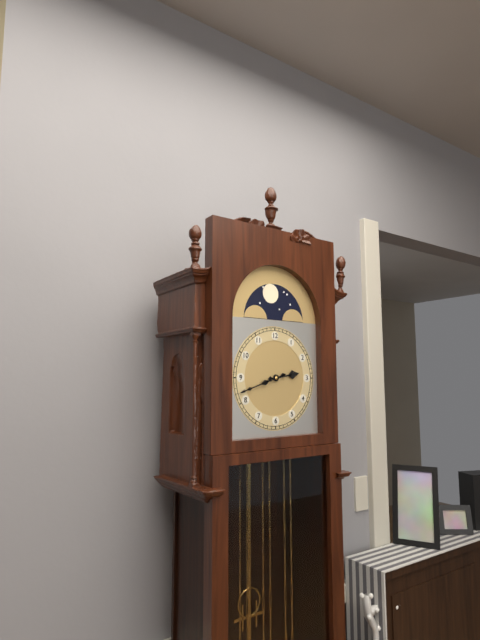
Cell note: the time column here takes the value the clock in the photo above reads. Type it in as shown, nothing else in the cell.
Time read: 2:42
